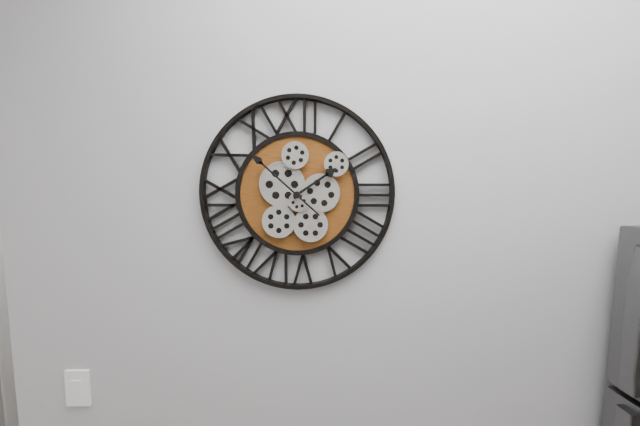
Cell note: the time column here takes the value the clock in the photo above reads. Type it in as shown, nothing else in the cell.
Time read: 1:52
